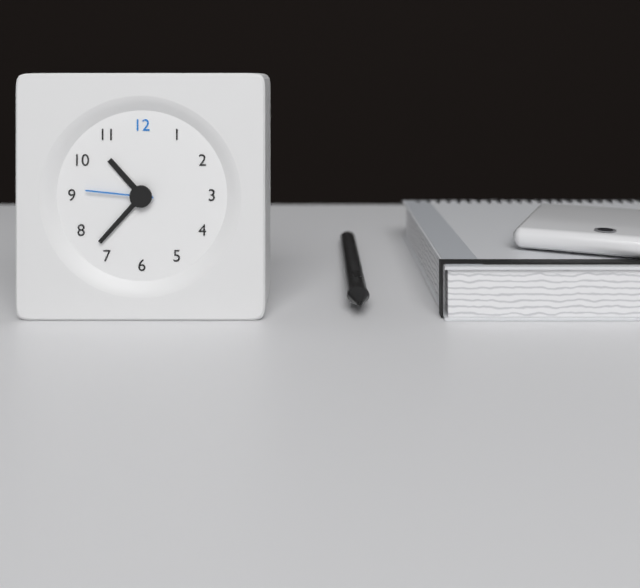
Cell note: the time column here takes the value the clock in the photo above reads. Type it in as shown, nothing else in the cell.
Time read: 10:37:46
